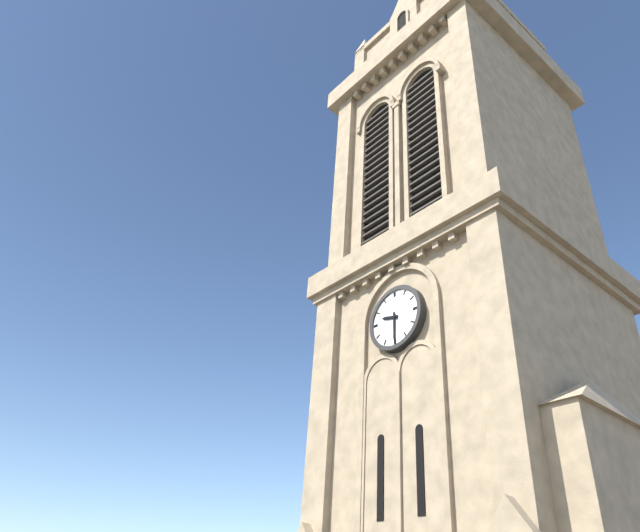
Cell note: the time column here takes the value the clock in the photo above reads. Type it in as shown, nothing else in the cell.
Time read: 9:30
